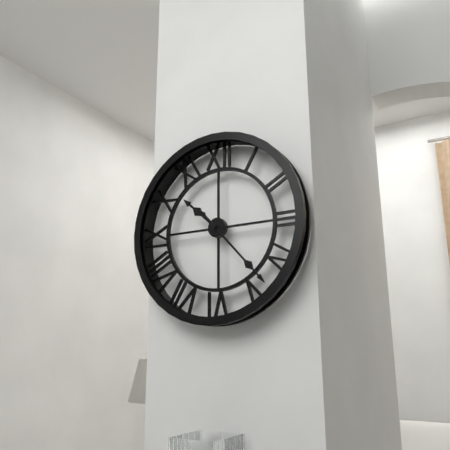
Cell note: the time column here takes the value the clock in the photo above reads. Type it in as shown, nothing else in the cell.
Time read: 10:23
